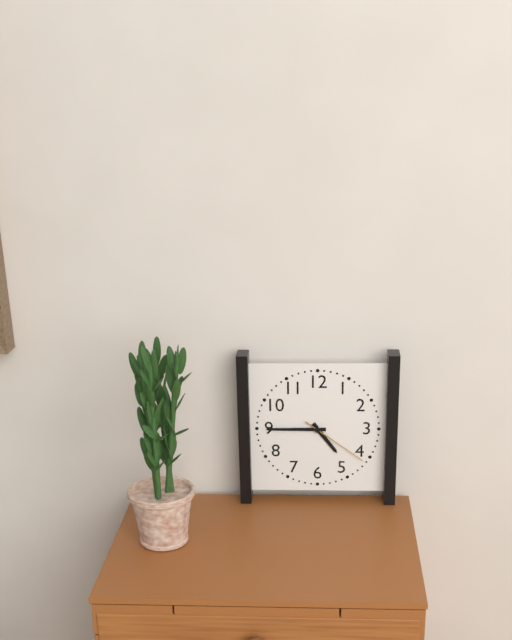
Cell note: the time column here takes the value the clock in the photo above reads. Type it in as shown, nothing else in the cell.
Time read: 4:45:21
